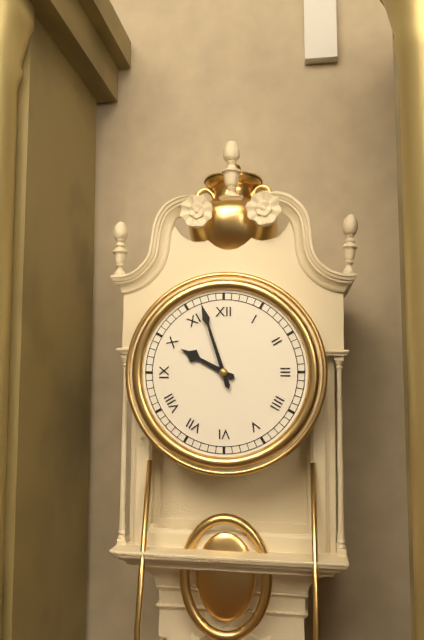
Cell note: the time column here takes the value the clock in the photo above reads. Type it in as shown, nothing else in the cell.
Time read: 9:57
